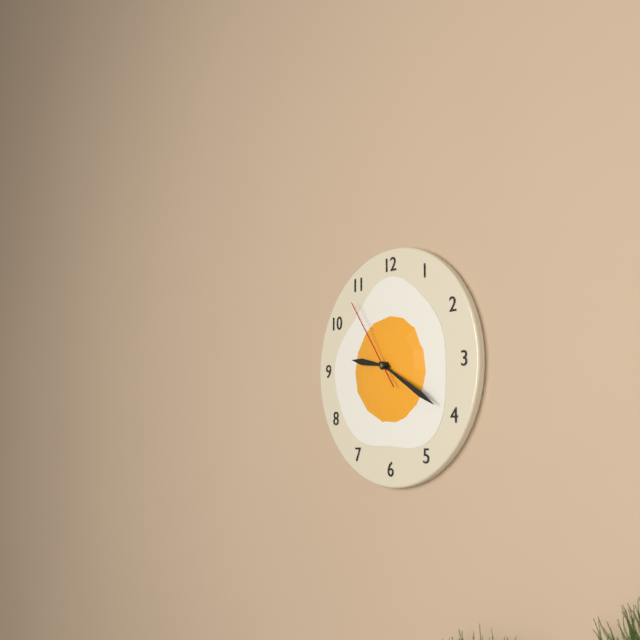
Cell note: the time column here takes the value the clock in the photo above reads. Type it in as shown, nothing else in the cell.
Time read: 9:20:54
